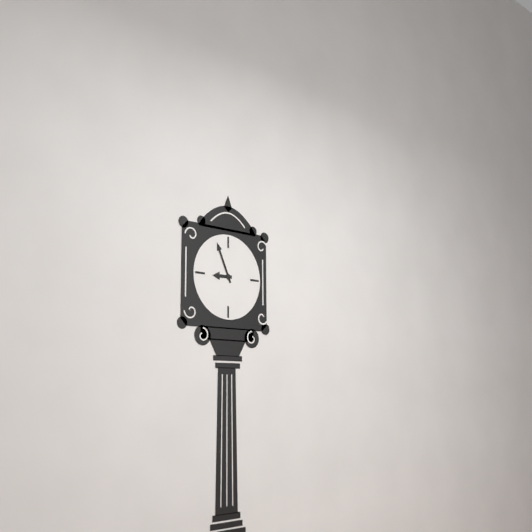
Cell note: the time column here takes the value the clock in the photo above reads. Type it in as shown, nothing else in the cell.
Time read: 8:56
